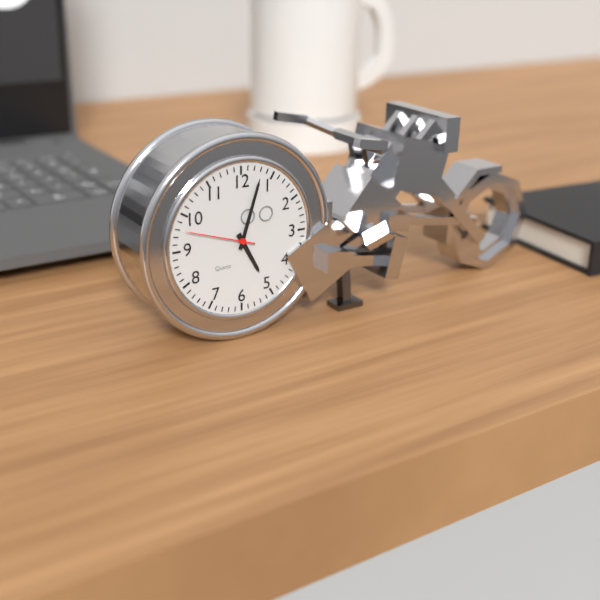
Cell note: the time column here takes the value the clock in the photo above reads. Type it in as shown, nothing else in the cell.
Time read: 5:03:48
